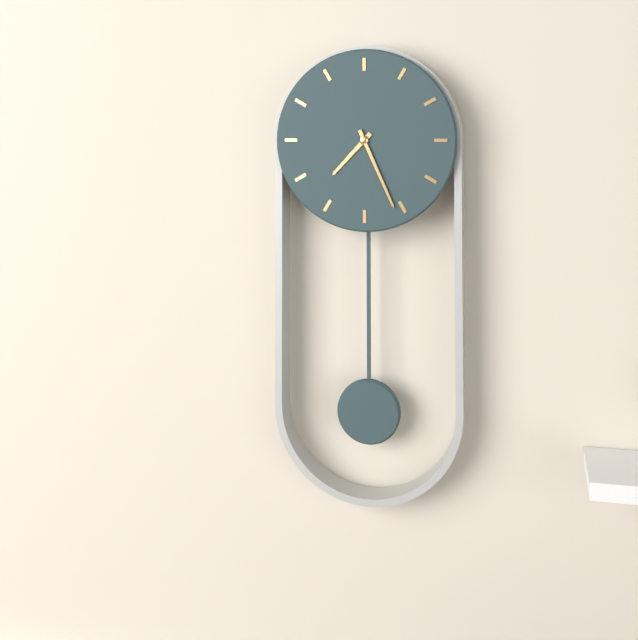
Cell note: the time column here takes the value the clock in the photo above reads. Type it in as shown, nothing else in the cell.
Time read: 7:26
